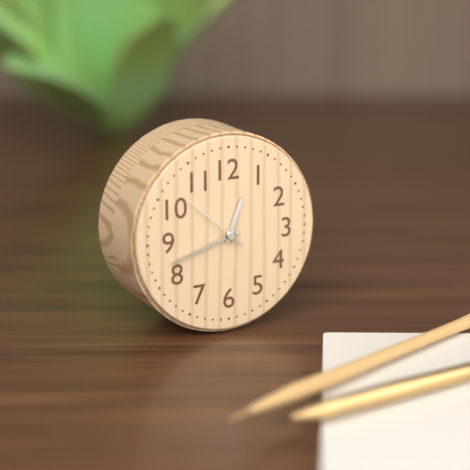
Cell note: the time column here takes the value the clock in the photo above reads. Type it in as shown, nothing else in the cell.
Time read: 12:42:52
